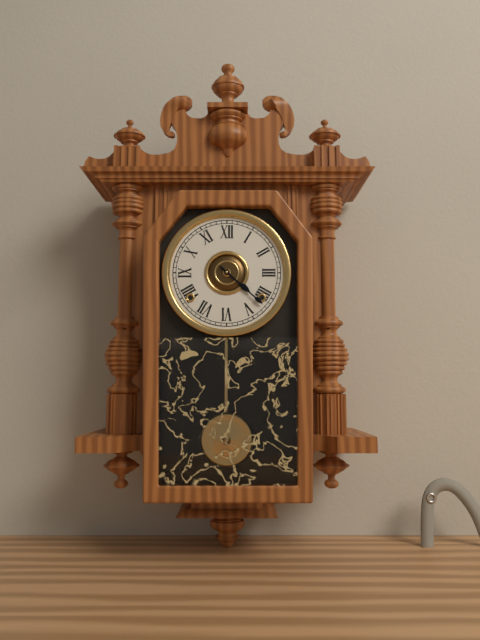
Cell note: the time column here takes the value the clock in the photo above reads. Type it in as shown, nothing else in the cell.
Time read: 4:22
